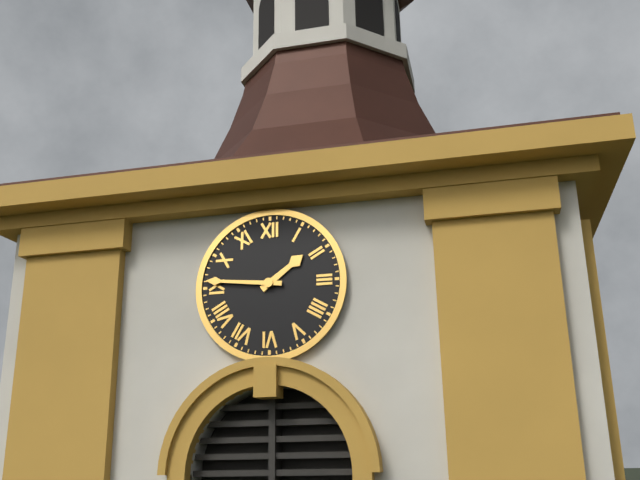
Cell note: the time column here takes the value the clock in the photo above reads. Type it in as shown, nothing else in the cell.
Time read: 1:46
